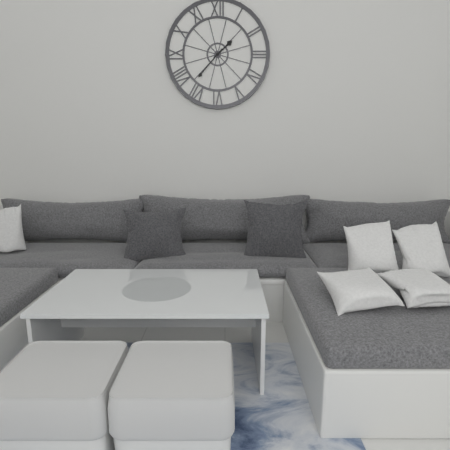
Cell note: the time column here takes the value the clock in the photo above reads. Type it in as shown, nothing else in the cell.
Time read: 1:37
